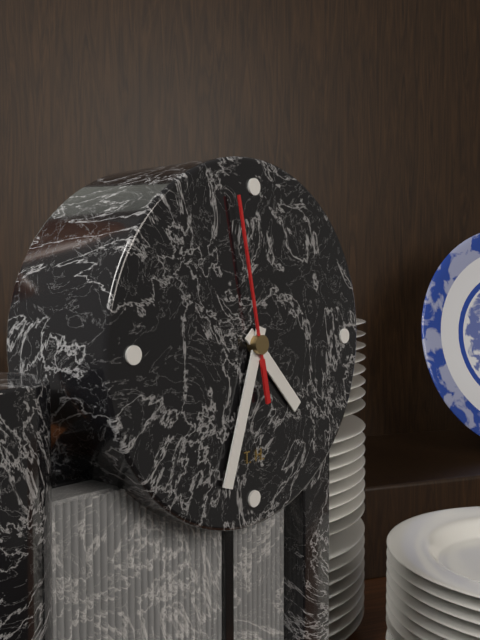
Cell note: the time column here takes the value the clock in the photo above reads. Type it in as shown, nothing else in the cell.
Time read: 4:33:58
